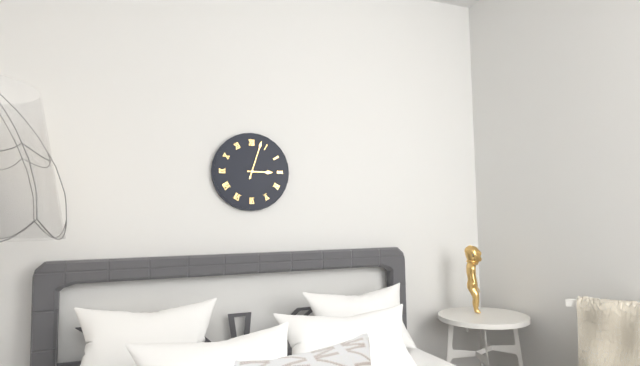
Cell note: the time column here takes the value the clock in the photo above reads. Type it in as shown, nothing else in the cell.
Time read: 3:03
